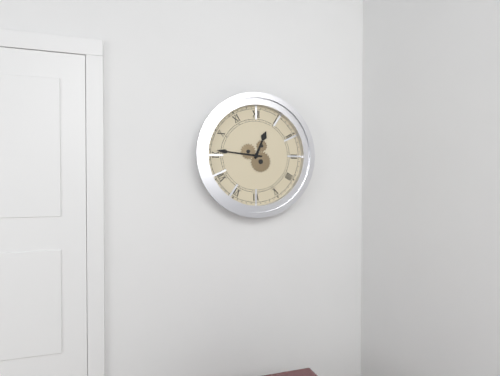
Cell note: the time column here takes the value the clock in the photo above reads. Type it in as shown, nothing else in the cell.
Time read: 12:46
